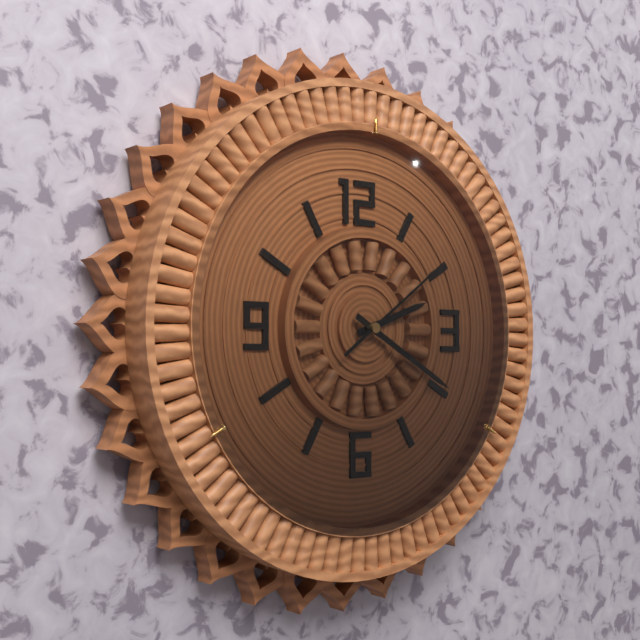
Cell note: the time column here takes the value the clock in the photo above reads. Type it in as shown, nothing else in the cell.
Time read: 2:20:09
